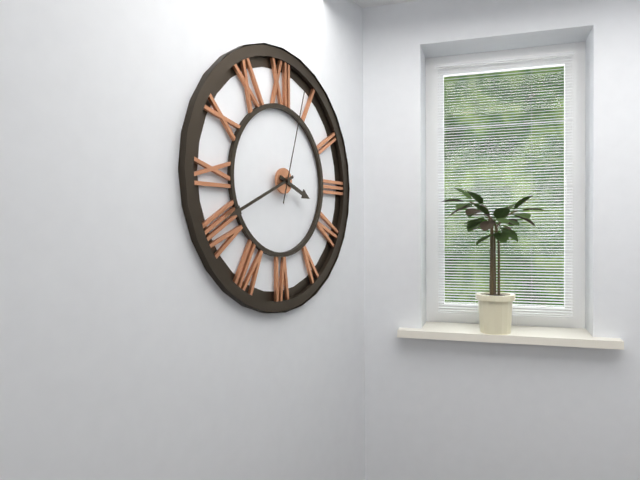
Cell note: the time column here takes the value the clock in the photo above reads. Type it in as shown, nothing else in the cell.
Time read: 3:41:03
